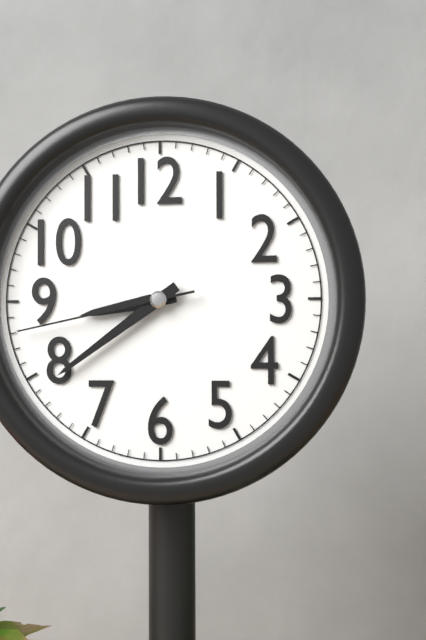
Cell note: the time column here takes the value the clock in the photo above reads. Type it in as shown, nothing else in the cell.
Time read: 8:39:43
